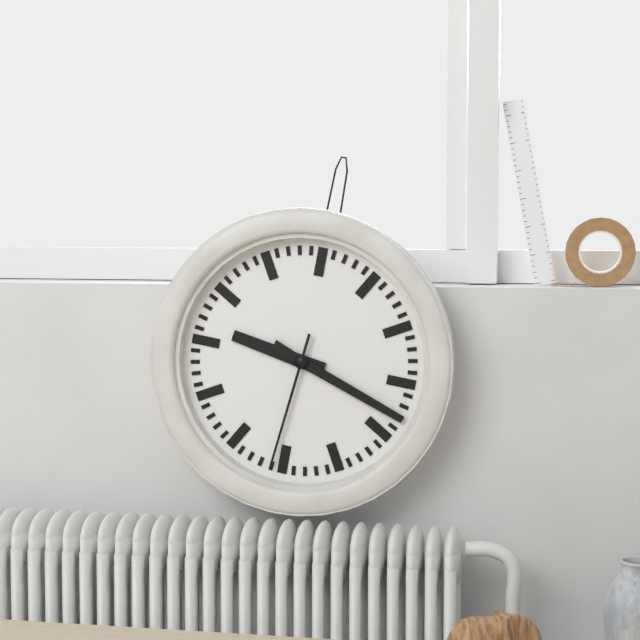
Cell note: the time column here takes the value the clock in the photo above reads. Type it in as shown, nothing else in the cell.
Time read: 9:18:31
